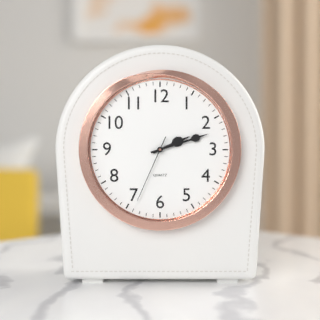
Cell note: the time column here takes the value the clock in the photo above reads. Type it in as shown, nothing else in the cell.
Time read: 2:12:34
